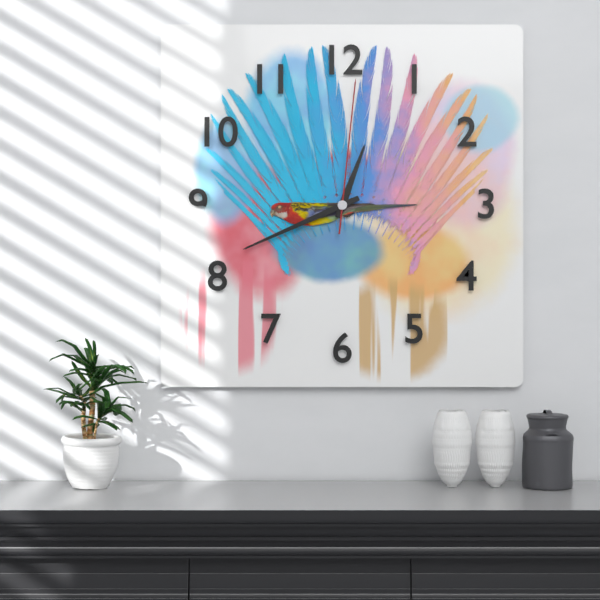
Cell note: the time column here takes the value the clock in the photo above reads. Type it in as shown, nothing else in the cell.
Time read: 12:41:01
